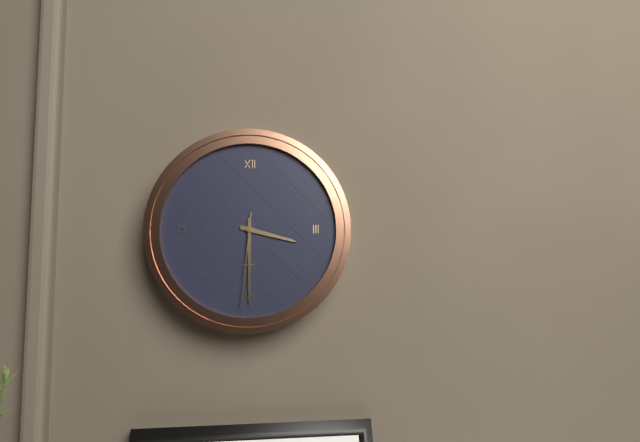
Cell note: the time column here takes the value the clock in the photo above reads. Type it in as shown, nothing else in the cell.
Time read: 3:30:31
